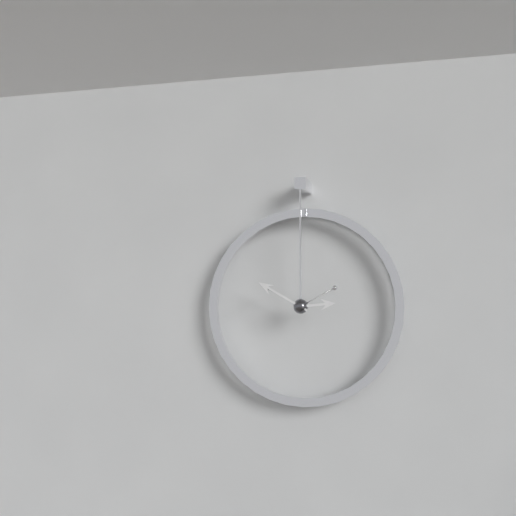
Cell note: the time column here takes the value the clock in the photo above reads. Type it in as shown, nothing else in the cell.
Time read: 2:50
